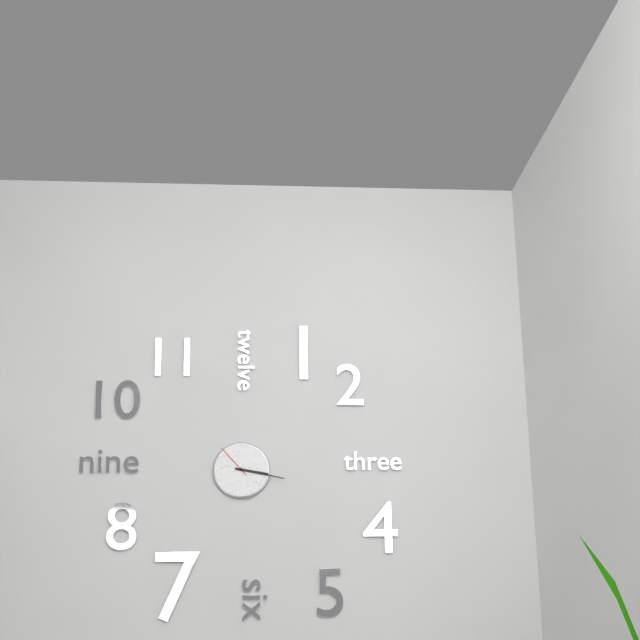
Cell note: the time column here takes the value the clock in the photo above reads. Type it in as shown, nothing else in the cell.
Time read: 3:17
